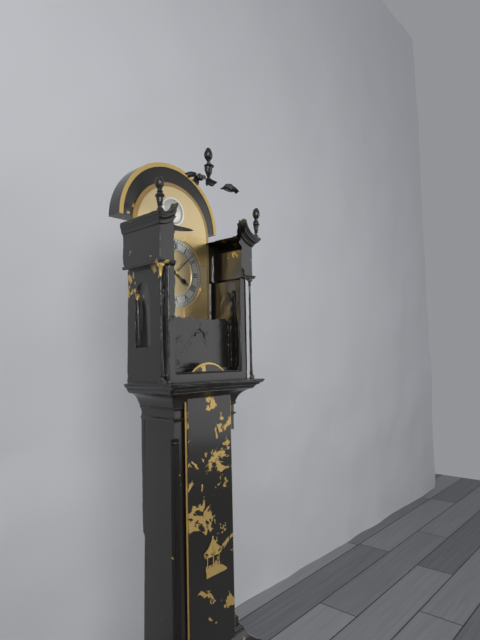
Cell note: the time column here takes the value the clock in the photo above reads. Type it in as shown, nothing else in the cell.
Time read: 4:08
